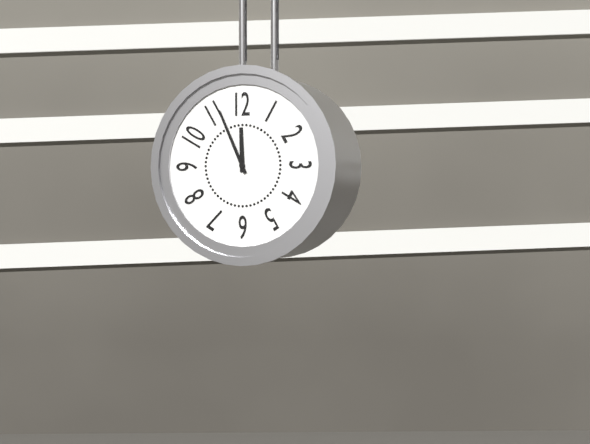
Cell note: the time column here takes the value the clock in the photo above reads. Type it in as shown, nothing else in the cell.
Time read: 11:56
